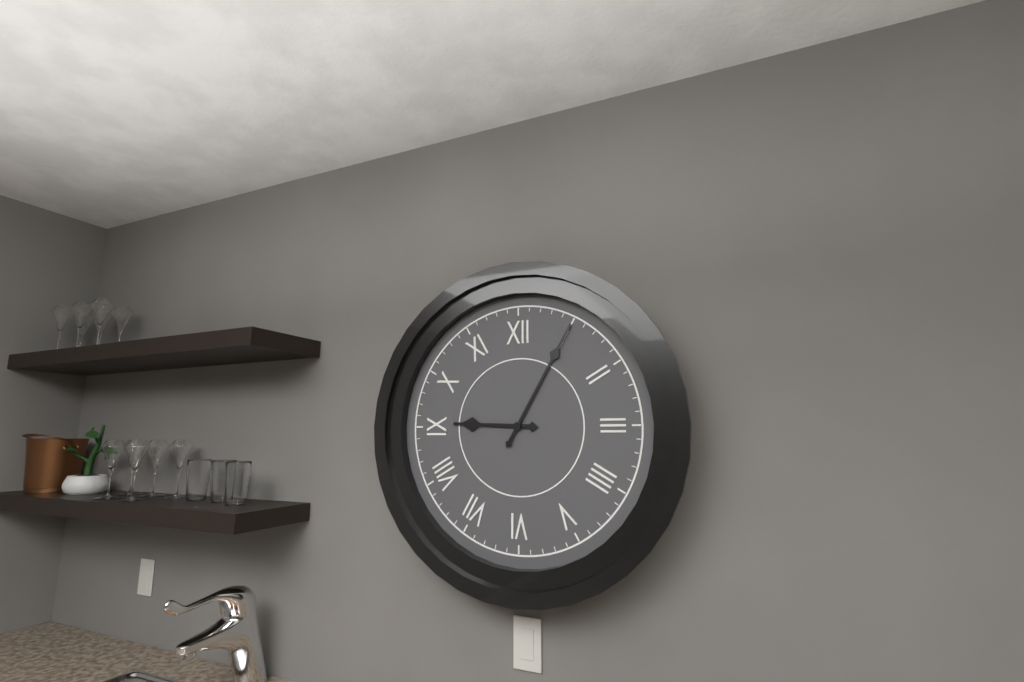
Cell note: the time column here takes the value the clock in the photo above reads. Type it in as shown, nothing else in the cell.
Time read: 9:05
